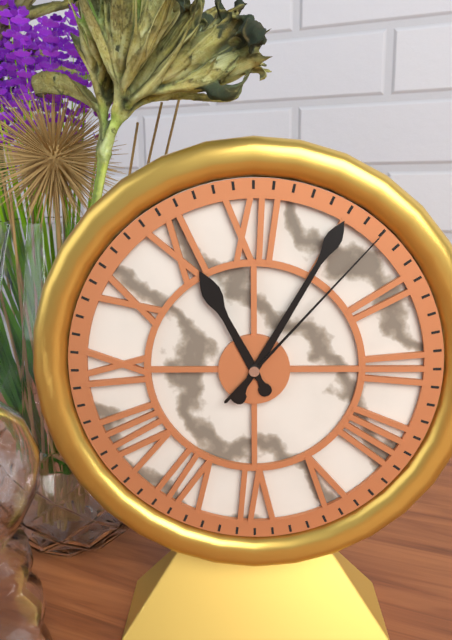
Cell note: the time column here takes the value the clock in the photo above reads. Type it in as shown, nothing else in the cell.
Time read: 11:05:07
